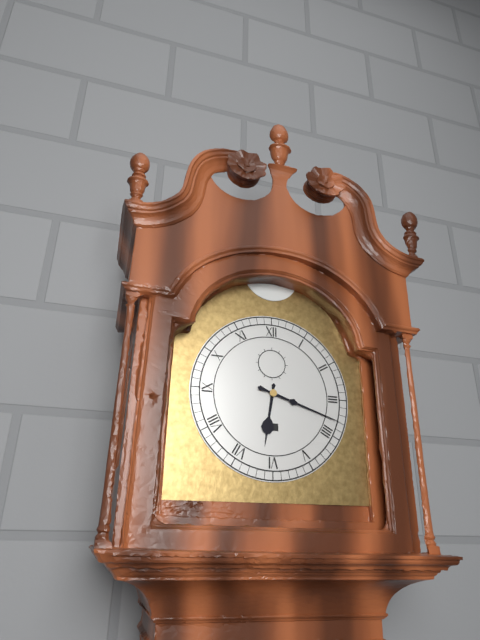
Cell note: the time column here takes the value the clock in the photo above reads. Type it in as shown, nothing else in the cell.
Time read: 6:18
